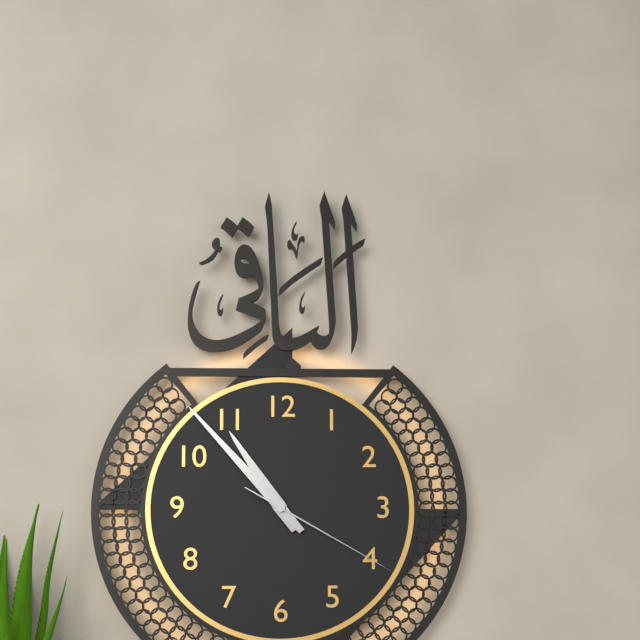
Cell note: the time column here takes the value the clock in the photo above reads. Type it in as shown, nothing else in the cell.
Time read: 10:53:20
